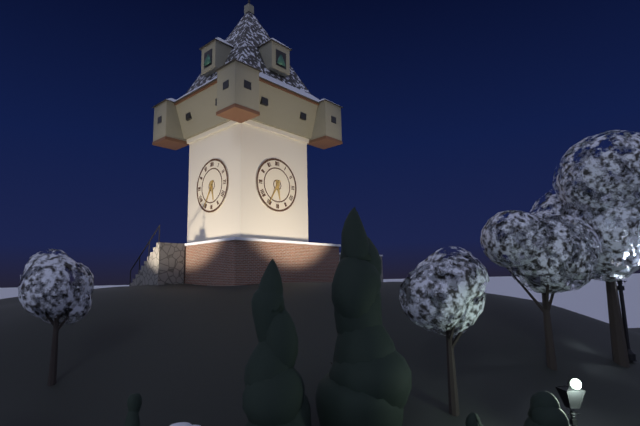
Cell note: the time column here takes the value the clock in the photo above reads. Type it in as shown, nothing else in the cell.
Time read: 5:35
